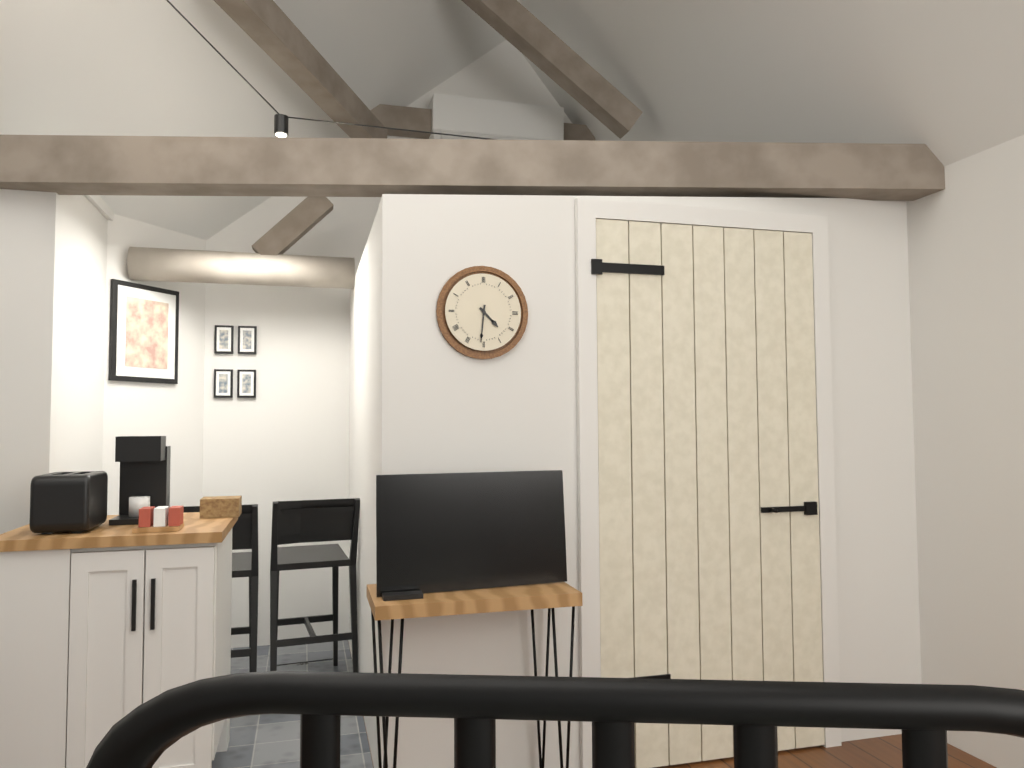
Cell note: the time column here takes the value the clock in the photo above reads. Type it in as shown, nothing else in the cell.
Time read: 4:31
